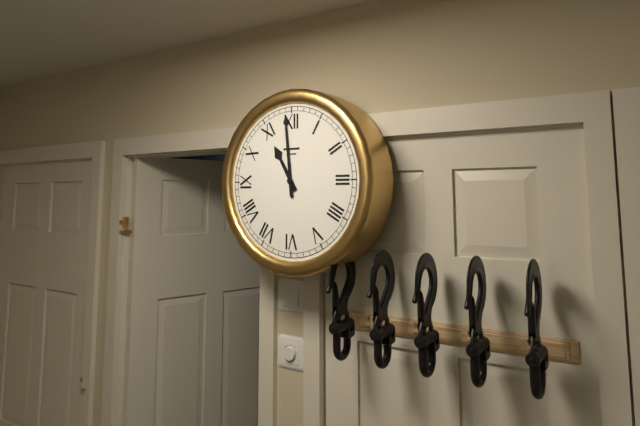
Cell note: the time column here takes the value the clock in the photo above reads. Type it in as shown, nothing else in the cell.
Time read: 10:59
